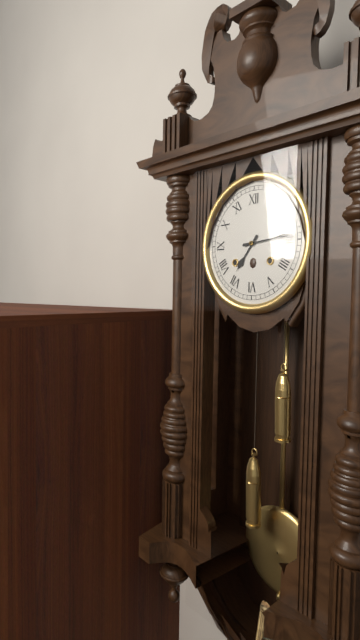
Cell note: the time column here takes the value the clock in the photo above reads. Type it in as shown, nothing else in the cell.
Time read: 7:14
